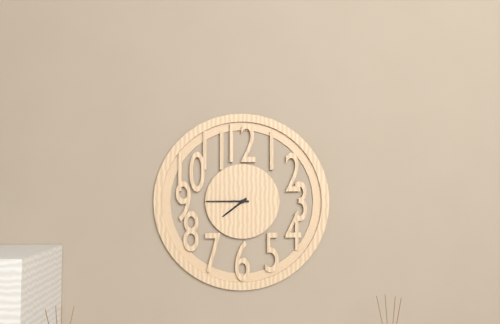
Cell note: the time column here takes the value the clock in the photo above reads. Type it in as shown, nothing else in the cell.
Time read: 7:45
